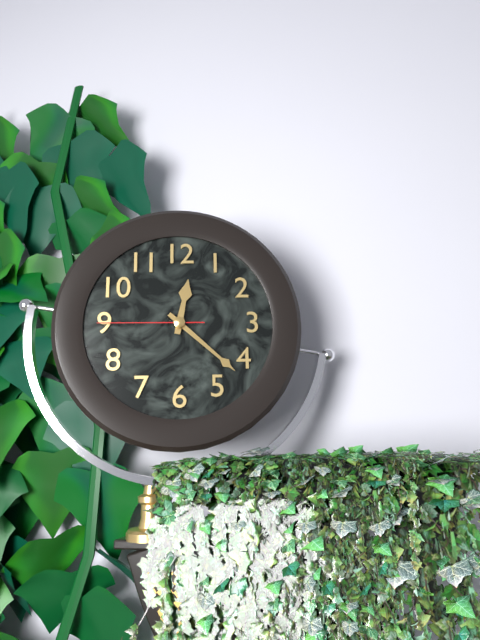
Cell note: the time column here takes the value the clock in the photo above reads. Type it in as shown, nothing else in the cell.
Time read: 12:22:45
